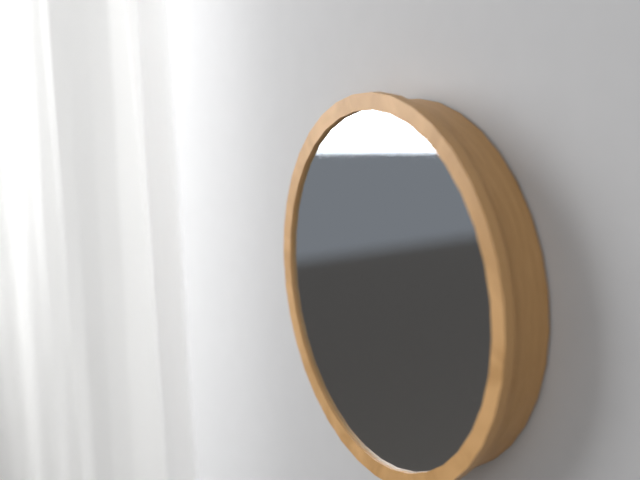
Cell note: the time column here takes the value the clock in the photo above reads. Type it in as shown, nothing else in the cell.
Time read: 11:10
